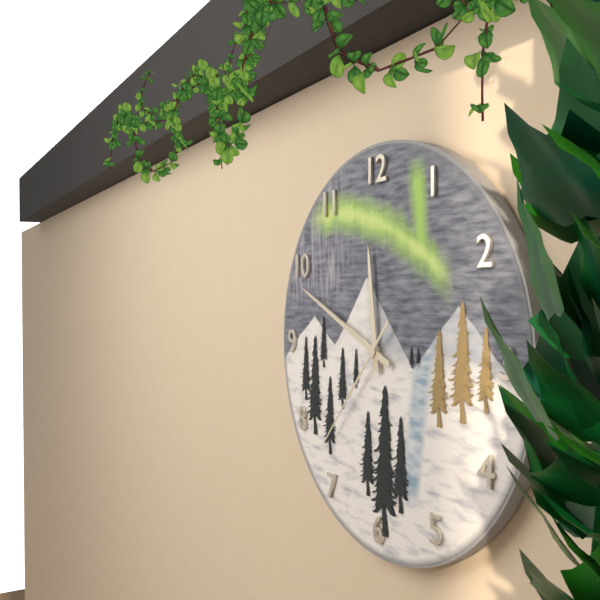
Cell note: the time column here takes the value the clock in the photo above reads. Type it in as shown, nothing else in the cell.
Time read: 11:49:37
